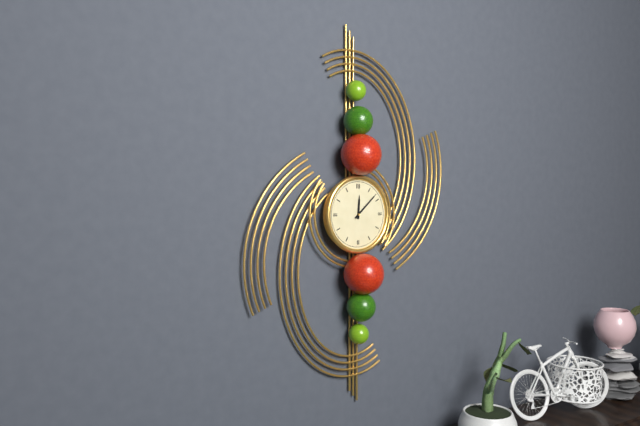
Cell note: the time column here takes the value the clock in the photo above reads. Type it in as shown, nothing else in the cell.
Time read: 12:08
